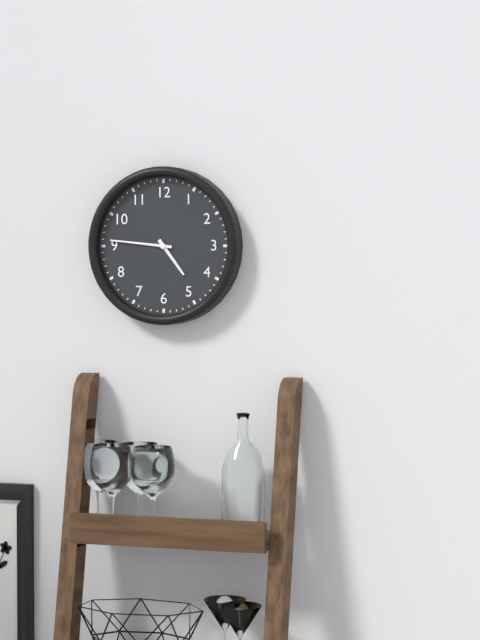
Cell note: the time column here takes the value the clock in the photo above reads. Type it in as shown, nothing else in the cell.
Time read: 4:46
